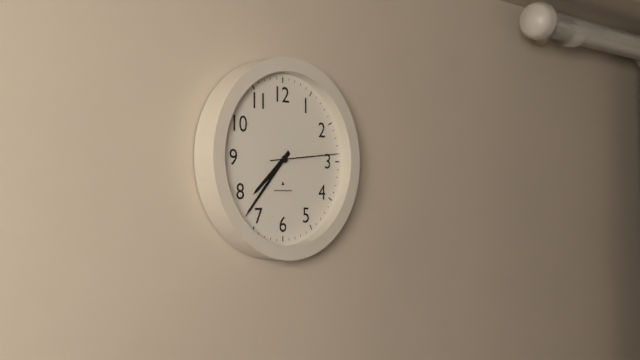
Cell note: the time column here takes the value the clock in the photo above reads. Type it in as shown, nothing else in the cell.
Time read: 7:37:14
